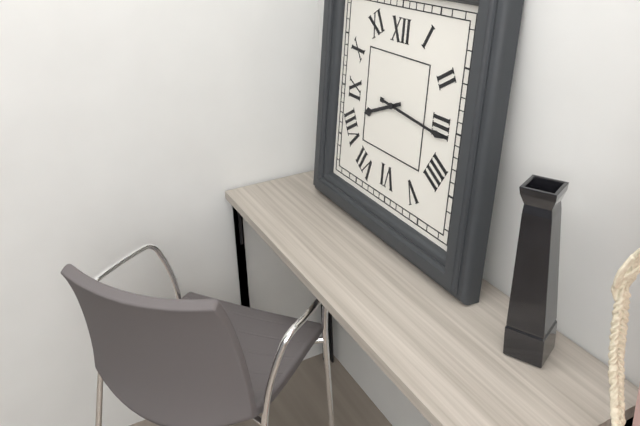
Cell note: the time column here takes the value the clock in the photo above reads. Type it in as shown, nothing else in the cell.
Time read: 8:16
